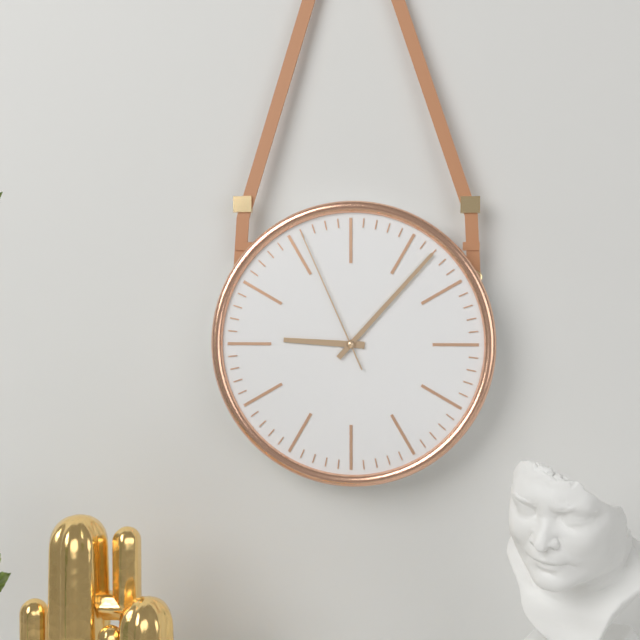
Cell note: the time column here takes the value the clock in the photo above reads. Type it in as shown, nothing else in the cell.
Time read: 9:07:56
